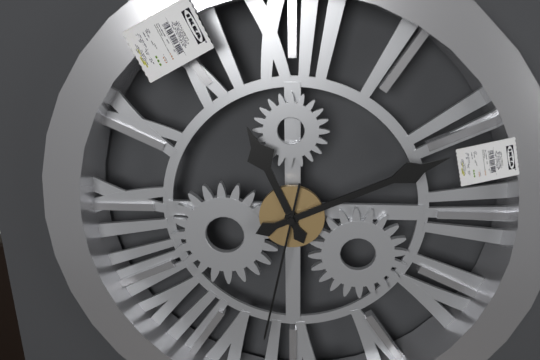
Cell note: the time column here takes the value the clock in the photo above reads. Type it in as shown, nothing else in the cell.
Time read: 11:11:32
